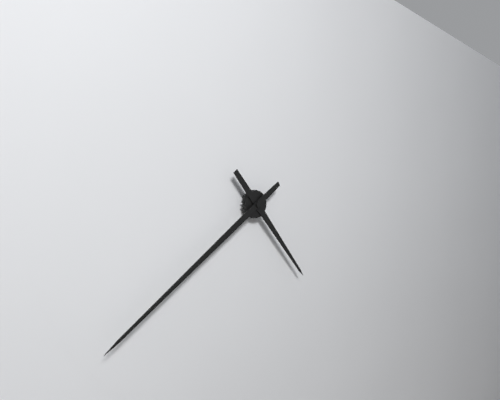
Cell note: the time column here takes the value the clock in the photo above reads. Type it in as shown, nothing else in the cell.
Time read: 4:39
